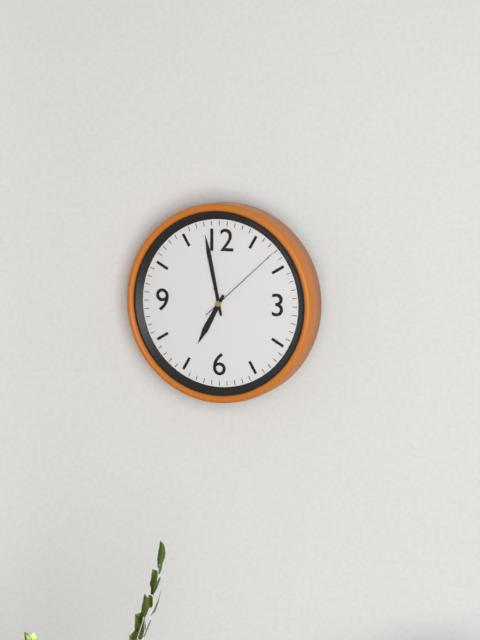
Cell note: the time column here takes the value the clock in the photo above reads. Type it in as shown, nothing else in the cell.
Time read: 6:58:08
